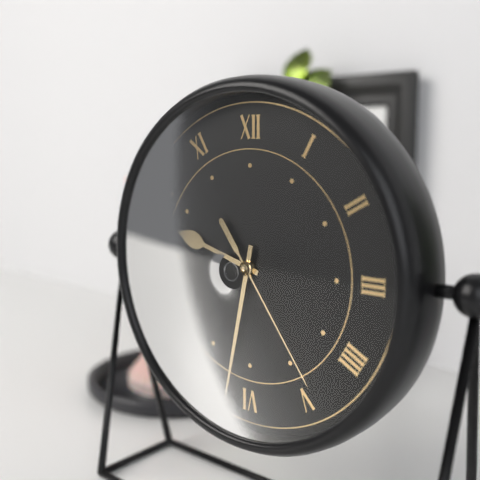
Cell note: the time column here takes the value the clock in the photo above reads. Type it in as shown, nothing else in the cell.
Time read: 9:32:24
